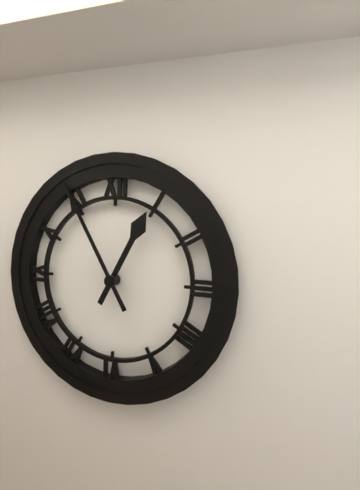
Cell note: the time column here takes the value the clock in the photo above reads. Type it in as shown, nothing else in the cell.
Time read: 12:55
